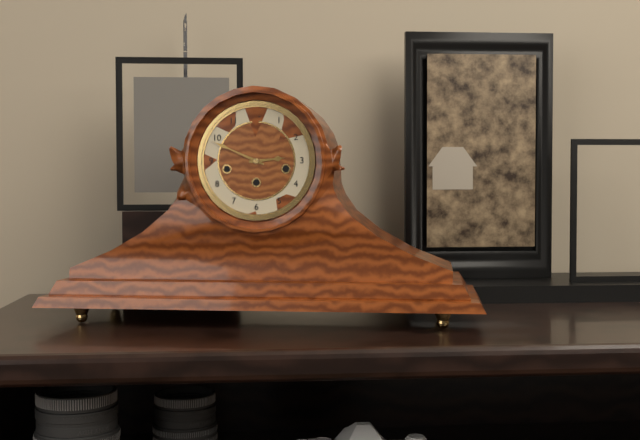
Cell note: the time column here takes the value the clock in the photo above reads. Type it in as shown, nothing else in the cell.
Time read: 2:49
